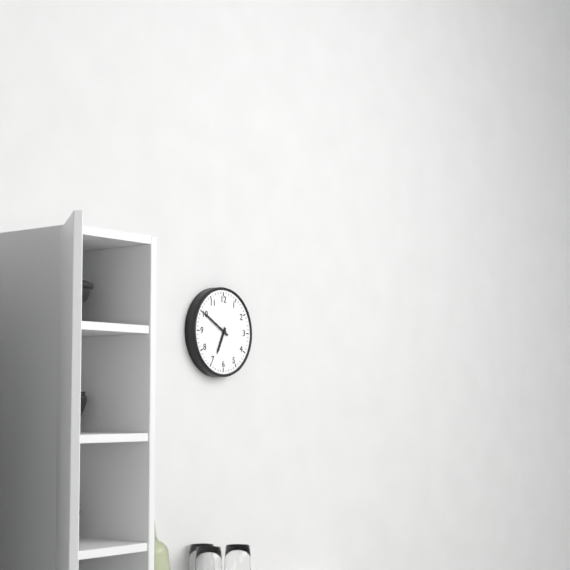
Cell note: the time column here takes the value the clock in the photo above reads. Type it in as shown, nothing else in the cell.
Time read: 6:50
